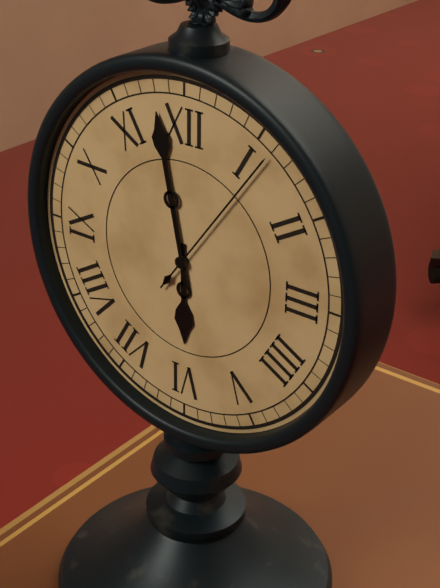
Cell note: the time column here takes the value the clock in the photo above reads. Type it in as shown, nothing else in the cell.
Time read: 5:58:06
